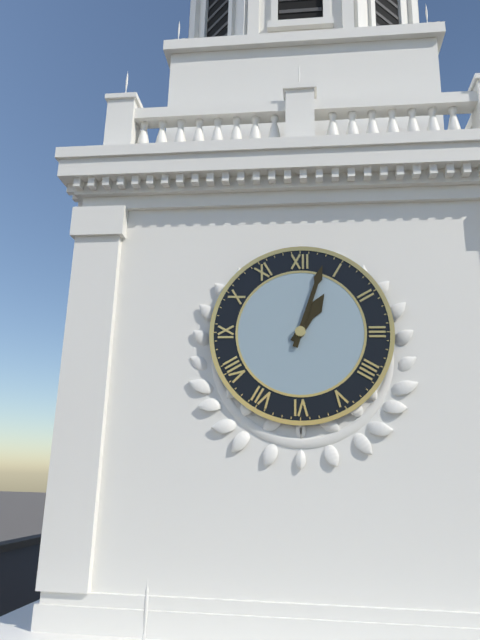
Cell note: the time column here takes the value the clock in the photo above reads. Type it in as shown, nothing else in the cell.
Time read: 1:03
